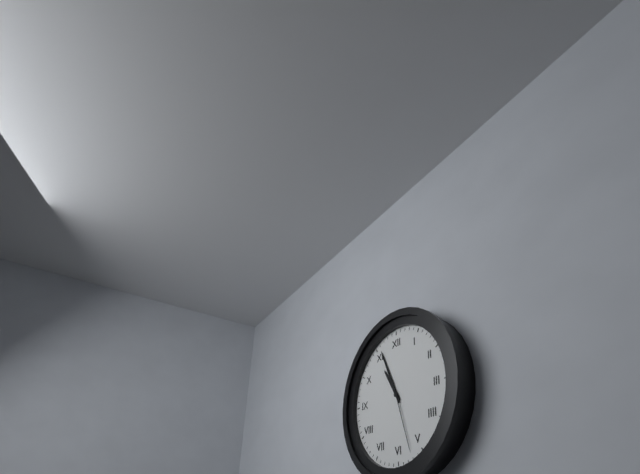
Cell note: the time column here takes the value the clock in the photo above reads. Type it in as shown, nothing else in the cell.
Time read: 10:56:27
